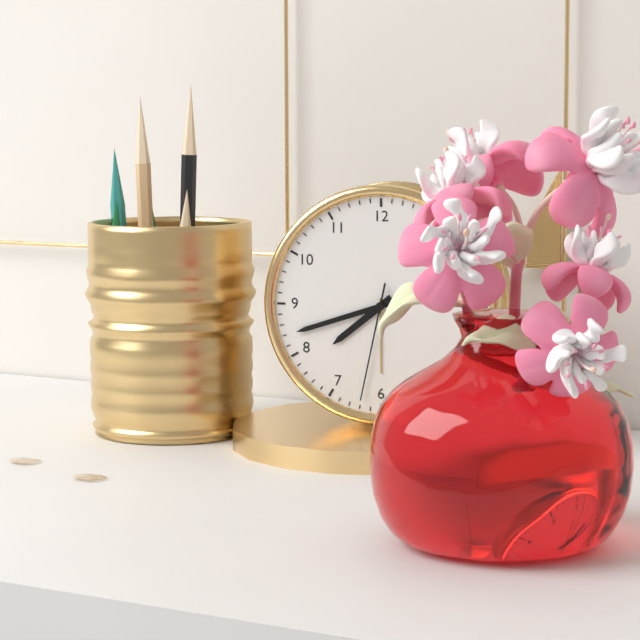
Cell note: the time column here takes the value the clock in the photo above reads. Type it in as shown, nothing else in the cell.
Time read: 7:42:32
